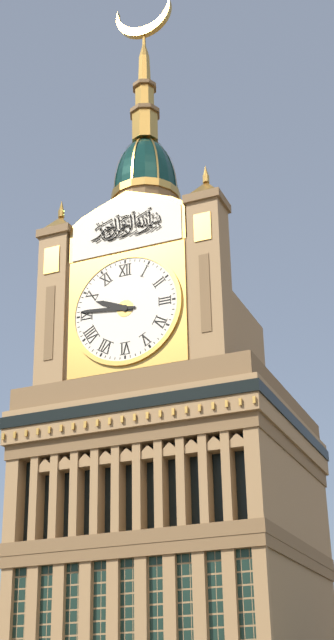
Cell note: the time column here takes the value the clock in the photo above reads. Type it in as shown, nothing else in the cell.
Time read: 9:46
